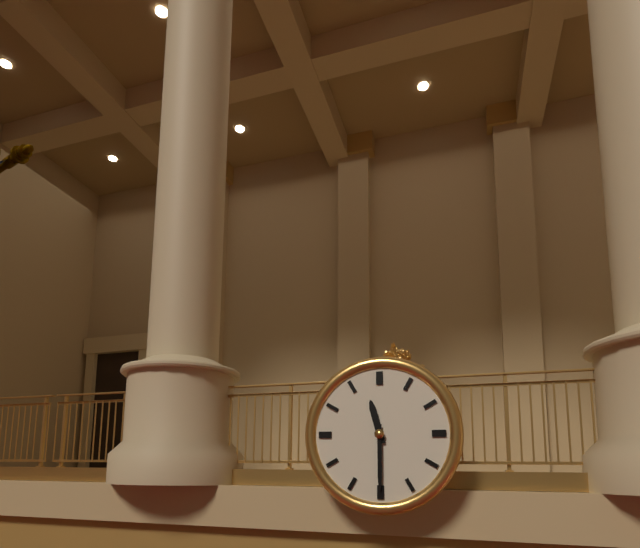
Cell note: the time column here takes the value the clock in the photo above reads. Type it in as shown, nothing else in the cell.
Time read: 11:30
